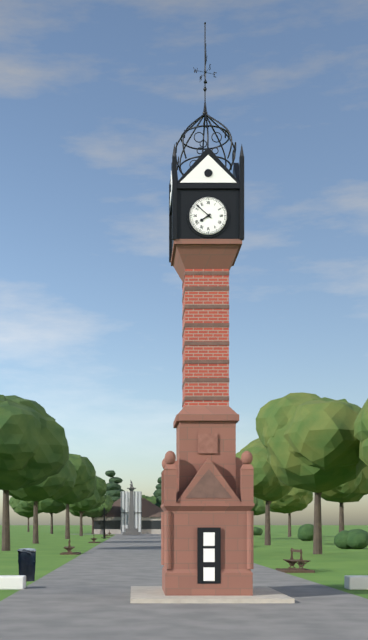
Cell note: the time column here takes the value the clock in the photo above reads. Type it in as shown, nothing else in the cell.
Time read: 7:52
